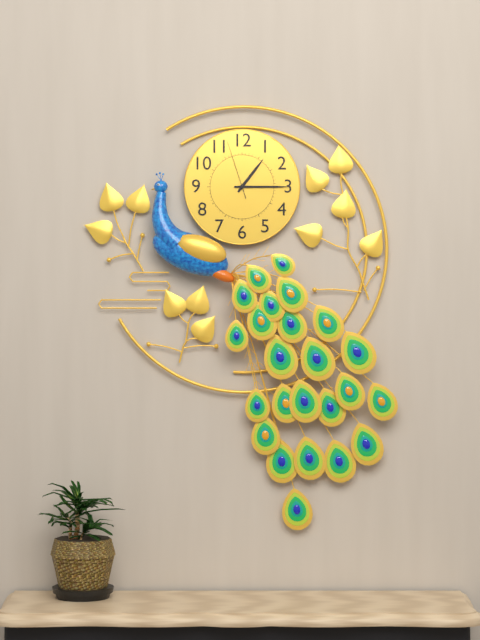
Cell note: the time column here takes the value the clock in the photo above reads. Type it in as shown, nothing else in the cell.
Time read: 1:15:57
